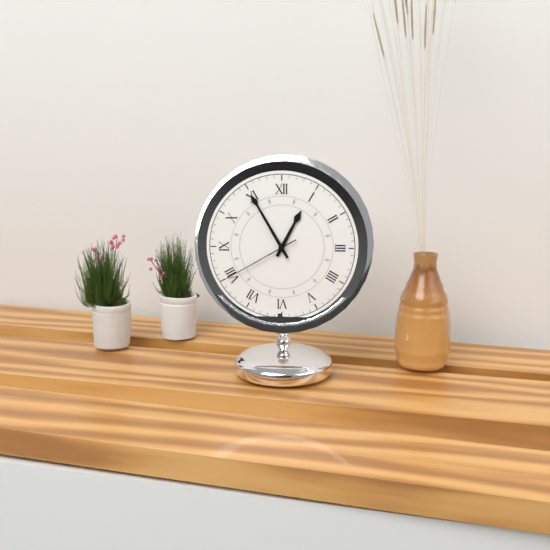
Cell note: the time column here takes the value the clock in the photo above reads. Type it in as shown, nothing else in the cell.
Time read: 12:55:40
